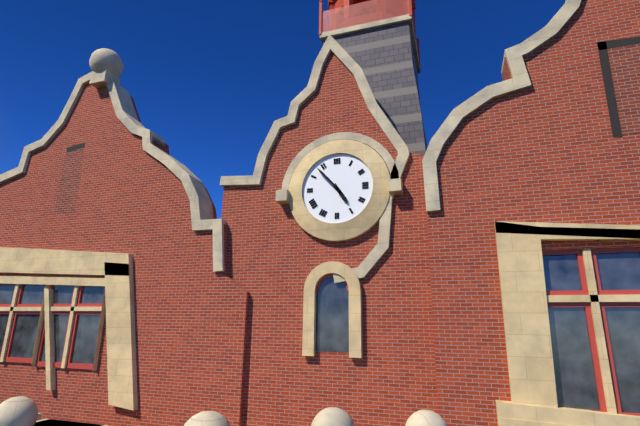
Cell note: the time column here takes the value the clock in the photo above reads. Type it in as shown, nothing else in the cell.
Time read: 4:53
